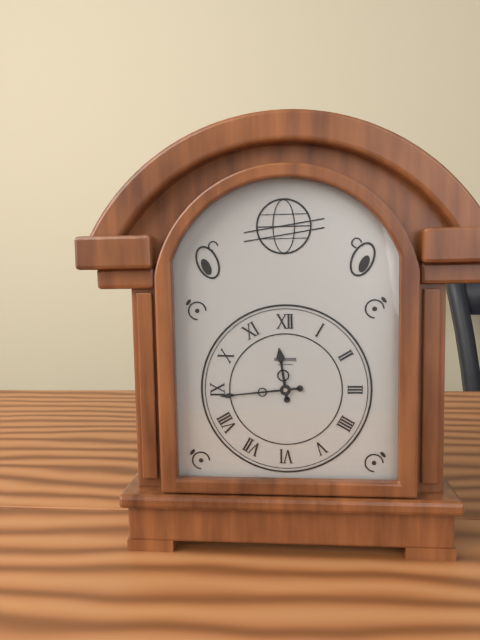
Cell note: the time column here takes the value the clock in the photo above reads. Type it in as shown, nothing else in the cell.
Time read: 11:44
